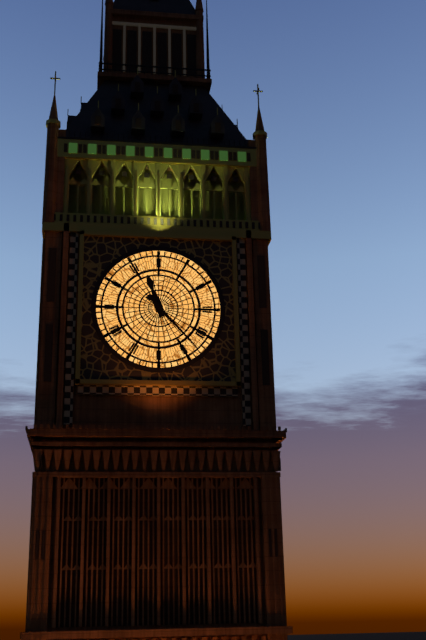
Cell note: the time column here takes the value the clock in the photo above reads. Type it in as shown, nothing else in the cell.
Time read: 11:23
